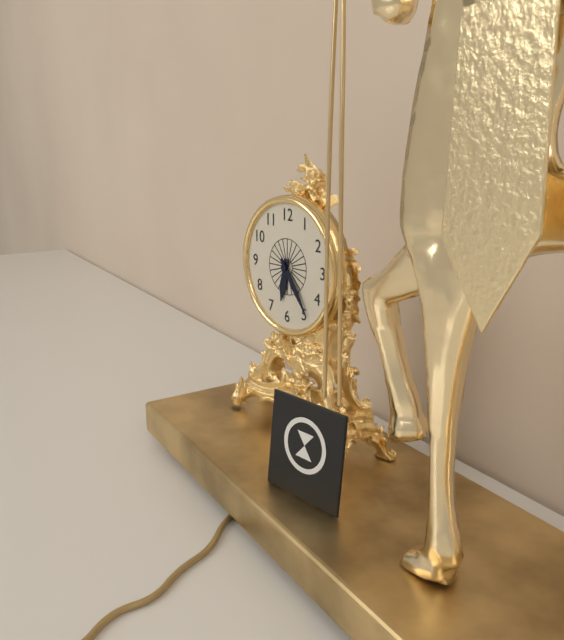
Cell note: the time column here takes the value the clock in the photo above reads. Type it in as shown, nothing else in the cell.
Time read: 6:24
